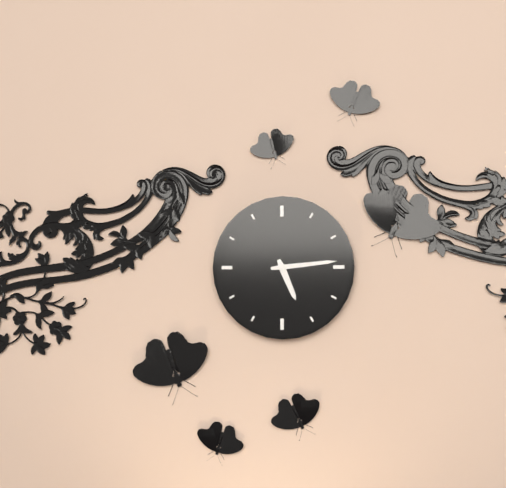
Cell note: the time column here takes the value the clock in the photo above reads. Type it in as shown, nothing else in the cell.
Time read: 5:14
